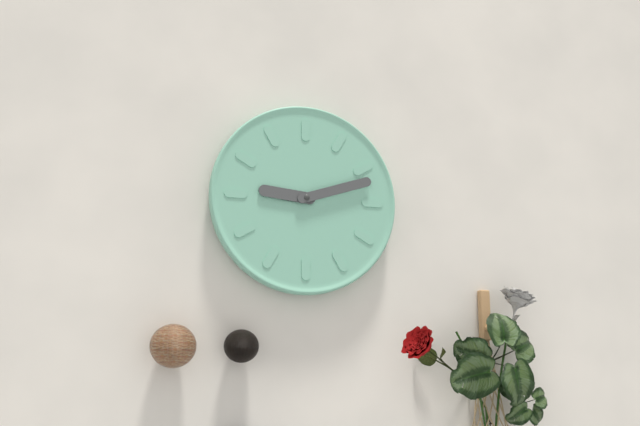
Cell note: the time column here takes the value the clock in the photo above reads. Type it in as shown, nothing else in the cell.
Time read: 9:12
